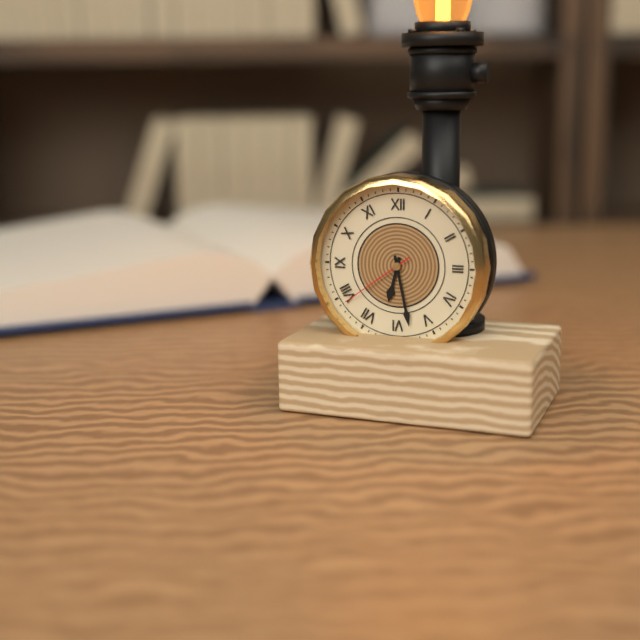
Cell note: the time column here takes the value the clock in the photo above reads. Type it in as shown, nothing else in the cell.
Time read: 6:28:39
